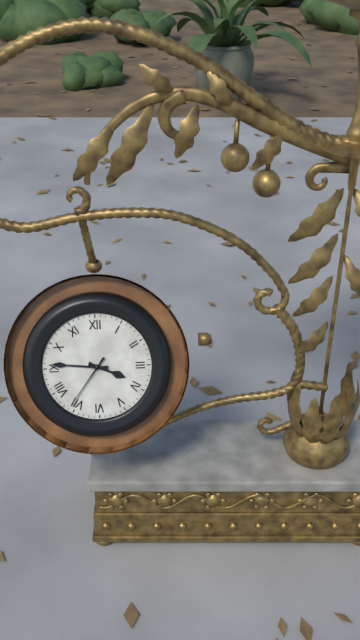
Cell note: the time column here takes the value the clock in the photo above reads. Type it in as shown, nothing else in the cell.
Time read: 3:46:36
